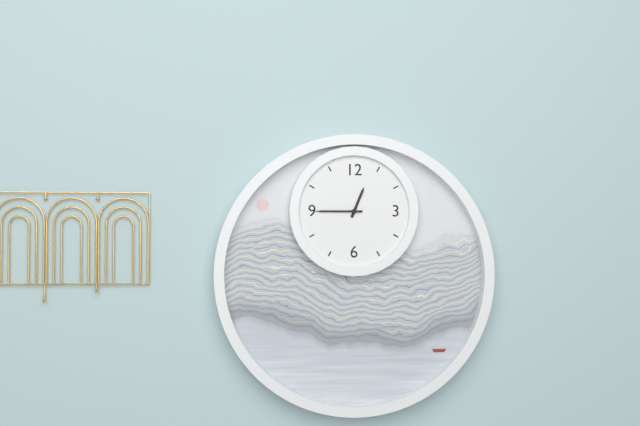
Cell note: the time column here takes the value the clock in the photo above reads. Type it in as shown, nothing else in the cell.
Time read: 12:45
